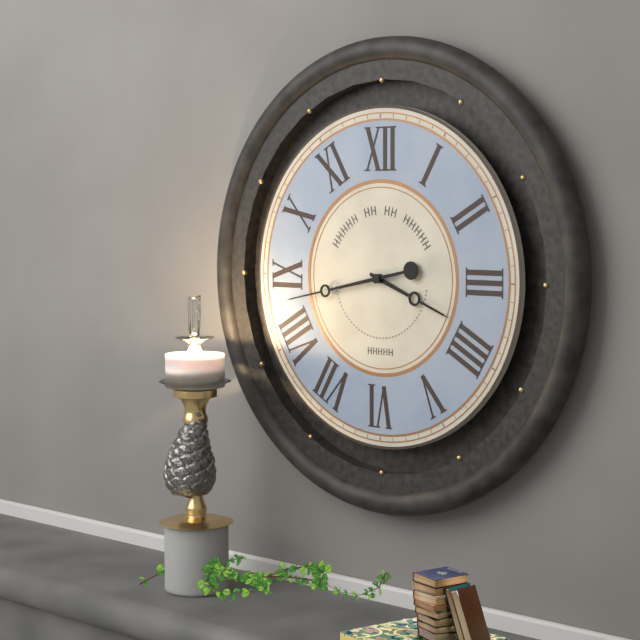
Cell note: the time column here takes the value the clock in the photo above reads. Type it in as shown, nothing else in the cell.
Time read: 3:43
